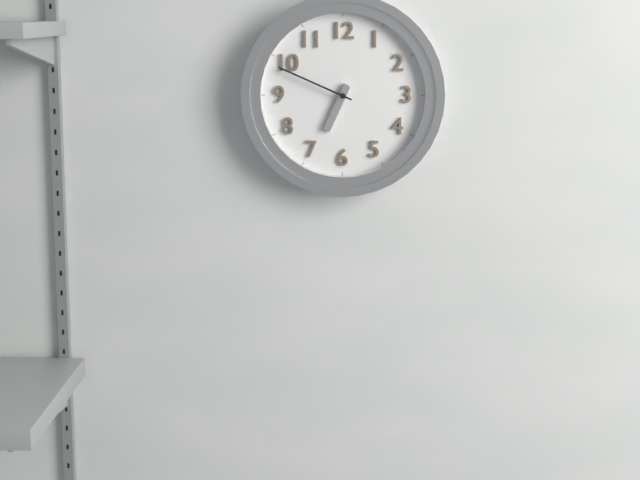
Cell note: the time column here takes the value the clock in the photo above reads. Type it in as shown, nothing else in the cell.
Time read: 6:49
